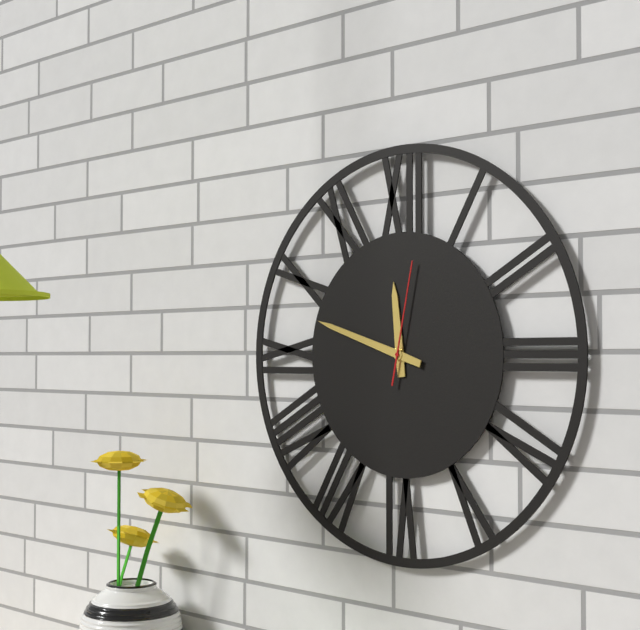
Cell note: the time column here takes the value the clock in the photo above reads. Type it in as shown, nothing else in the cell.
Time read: 11:48:02
